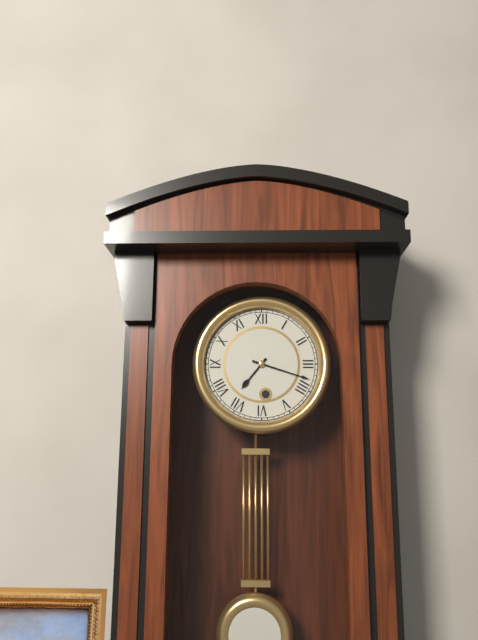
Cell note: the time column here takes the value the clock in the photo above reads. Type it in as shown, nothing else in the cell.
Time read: 7:18
